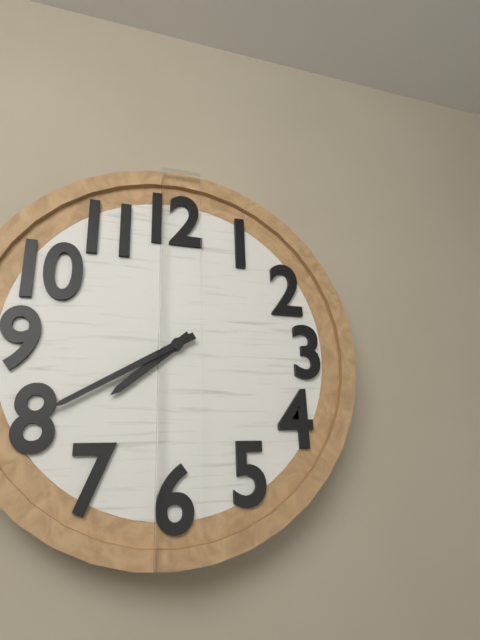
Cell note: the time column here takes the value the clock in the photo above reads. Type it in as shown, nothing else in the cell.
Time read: 7:40
